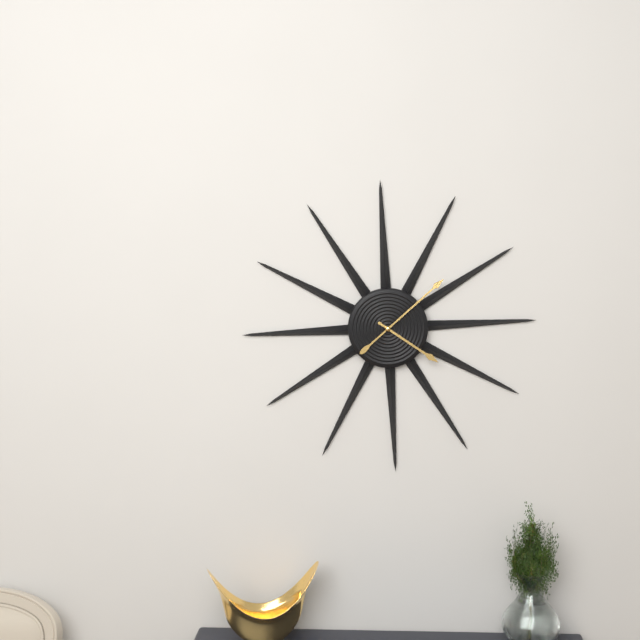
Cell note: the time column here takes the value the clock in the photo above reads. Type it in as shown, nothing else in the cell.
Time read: 4:08
